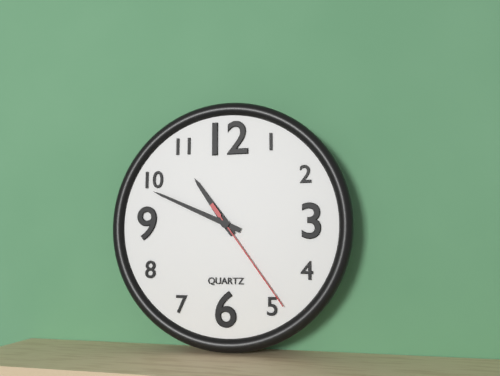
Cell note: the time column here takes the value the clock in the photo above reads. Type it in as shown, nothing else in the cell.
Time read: 10:49:24
